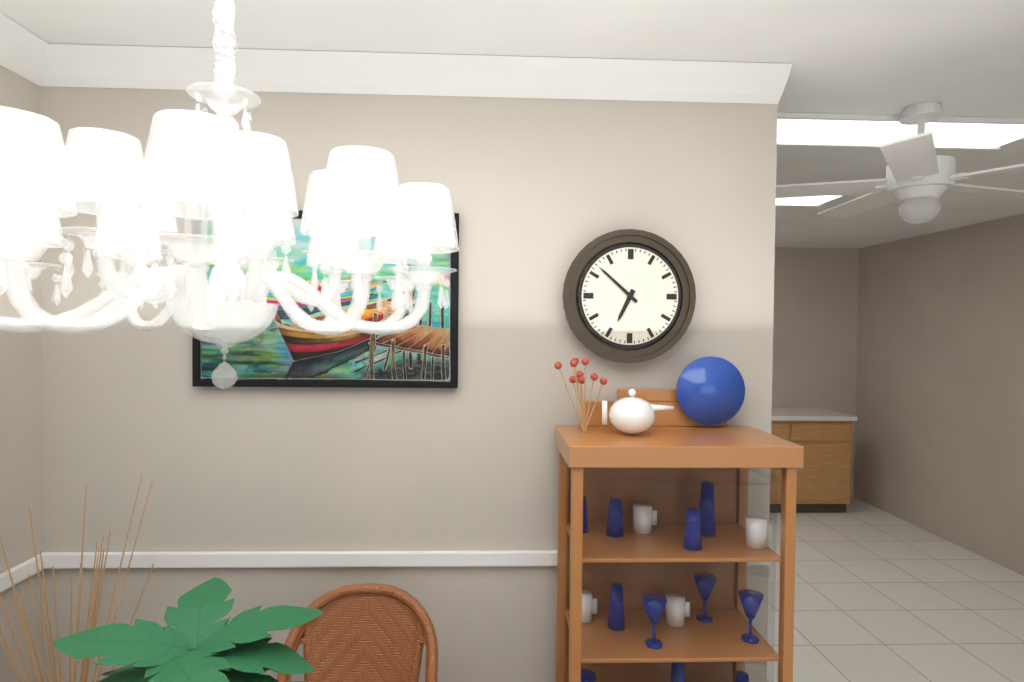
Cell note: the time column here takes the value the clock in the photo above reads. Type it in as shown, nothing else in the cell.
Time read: 6:52
